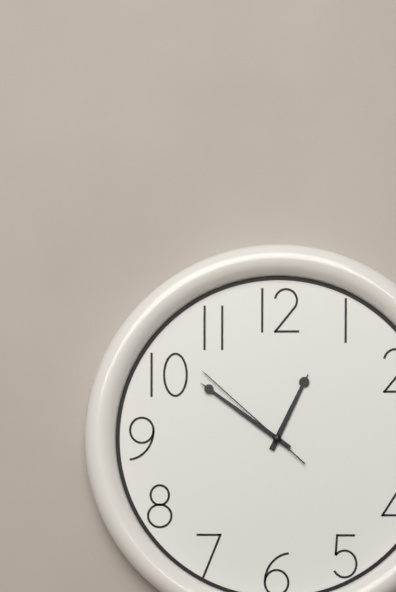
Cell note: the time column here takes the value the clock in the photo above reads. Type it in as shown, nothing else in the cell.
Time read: 12:51:52
